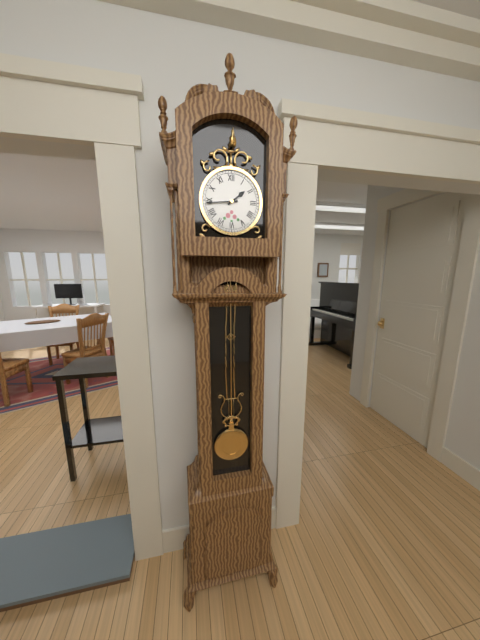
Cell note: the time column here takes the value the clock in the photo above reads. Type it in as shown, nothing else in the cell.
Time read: 1:44
